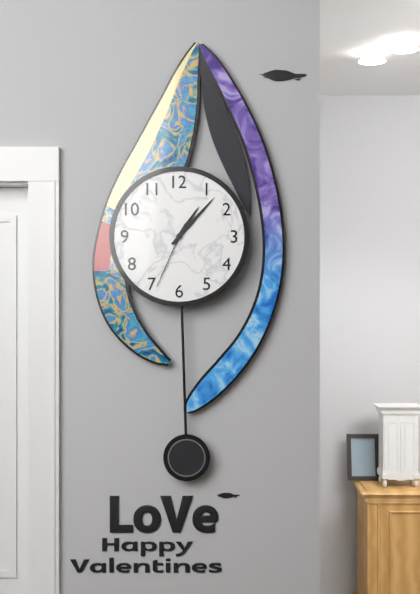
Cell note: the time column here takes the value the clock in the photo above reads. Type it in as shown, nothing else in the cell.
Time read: 1:07:34
